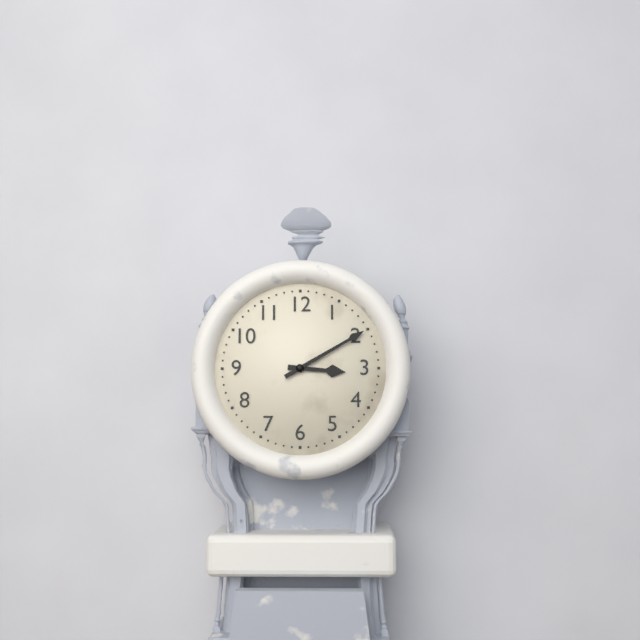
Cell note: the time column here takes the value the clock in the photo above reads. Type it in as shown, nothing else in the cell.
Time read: 3:10
